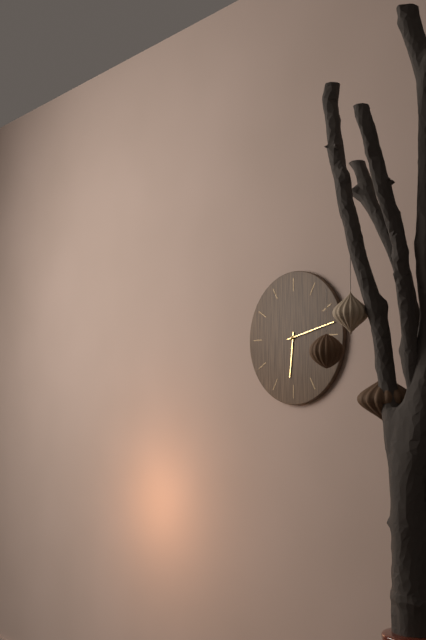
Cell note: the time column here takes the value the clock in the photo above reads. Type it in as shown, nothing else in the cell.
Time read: 6:13
